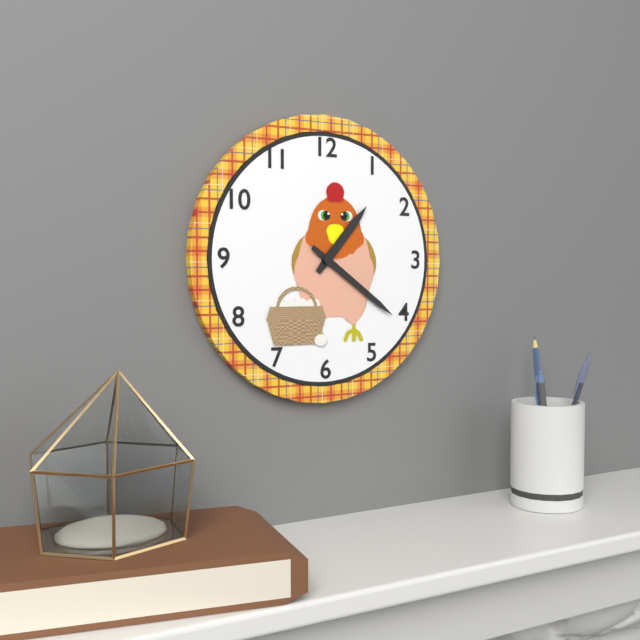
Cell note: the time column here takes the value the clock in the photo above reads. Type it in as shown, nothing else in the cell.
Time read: 1:21
